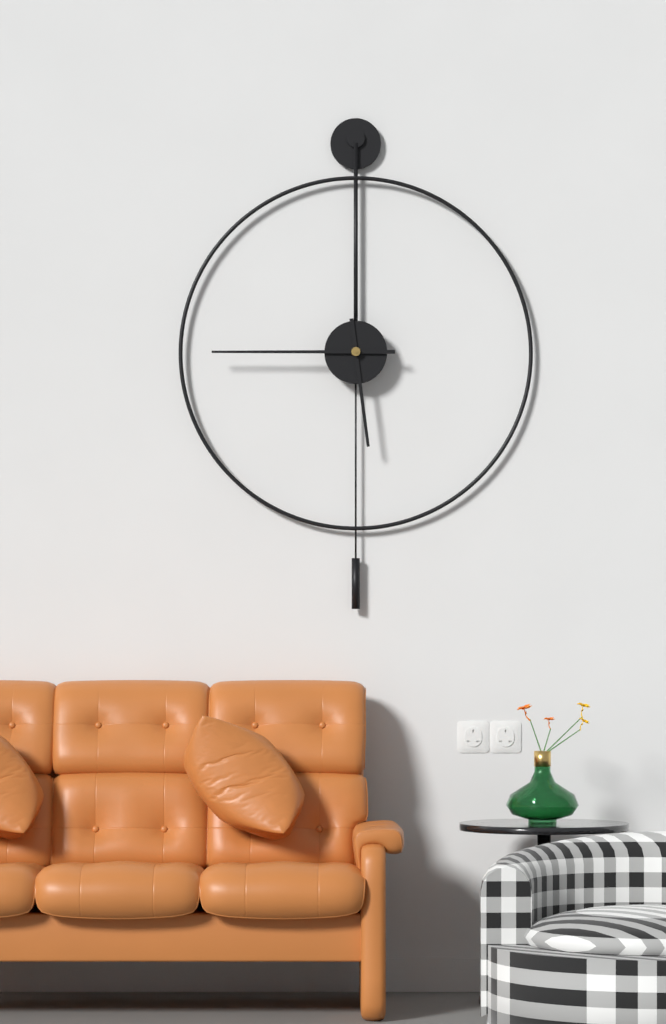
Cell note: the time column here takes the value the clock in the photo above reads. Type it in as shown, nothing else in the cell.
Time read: 5:45
